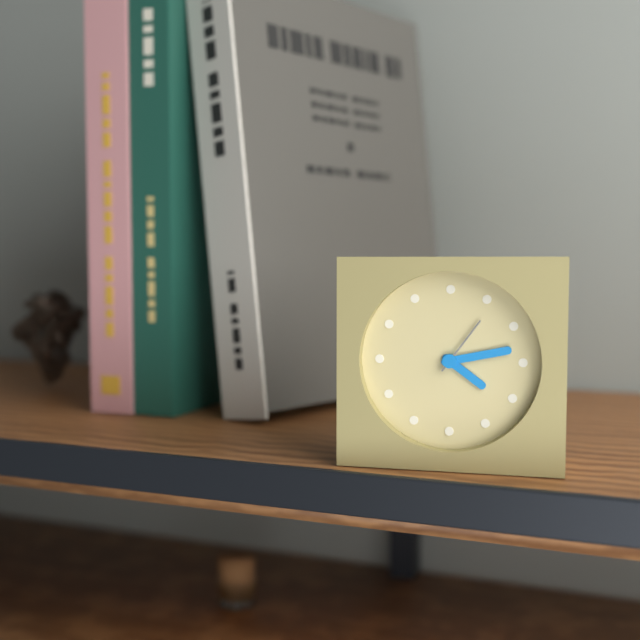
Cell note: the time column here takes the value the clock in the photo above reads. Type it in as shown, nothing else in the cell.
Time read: 4:13:06
